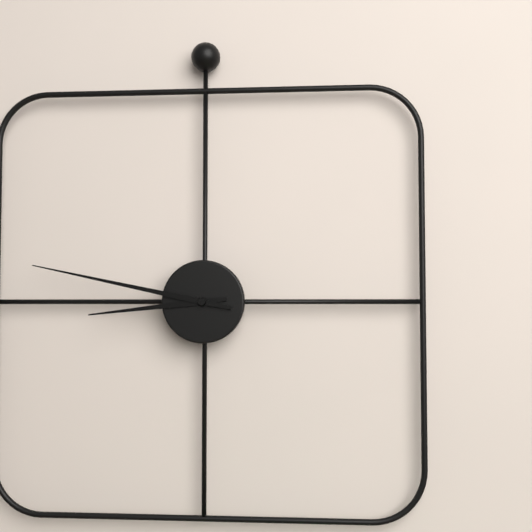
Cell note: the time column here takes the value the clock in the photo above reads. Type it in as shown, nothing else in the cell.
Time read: 8:47
